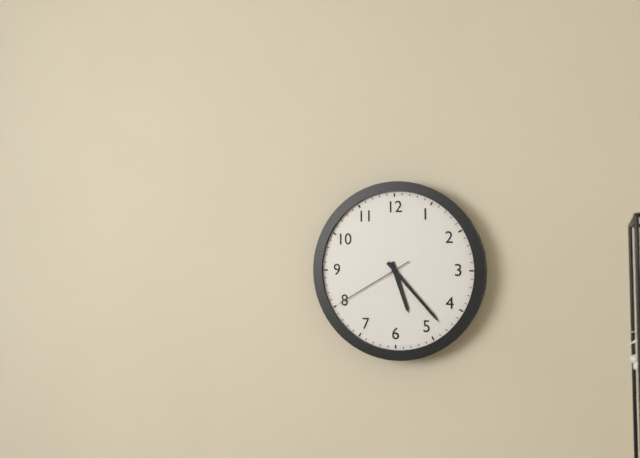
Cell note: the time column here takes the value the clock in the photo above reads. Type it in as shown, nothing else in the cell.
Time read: 5:23:40
